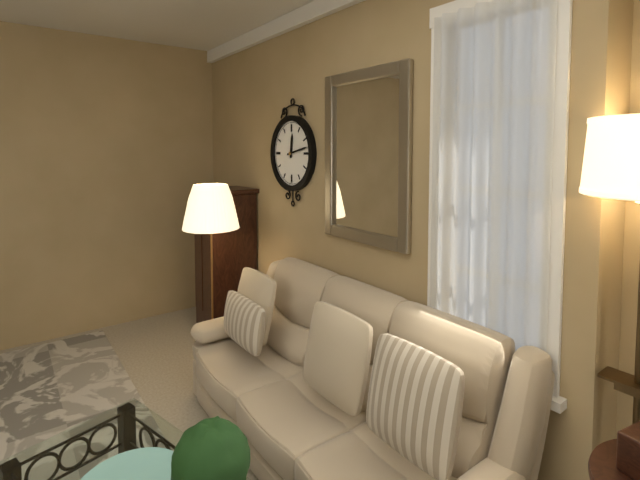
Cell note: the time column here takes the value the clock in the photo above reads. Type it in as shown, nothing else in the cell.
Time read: 12:13
